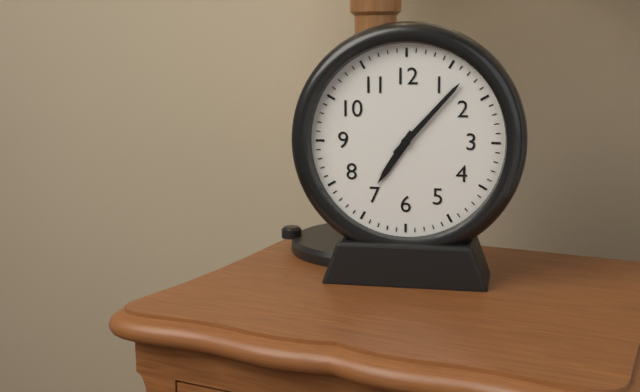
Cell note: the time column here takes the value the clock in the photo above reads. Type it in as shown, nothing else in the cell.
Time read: 7:07
